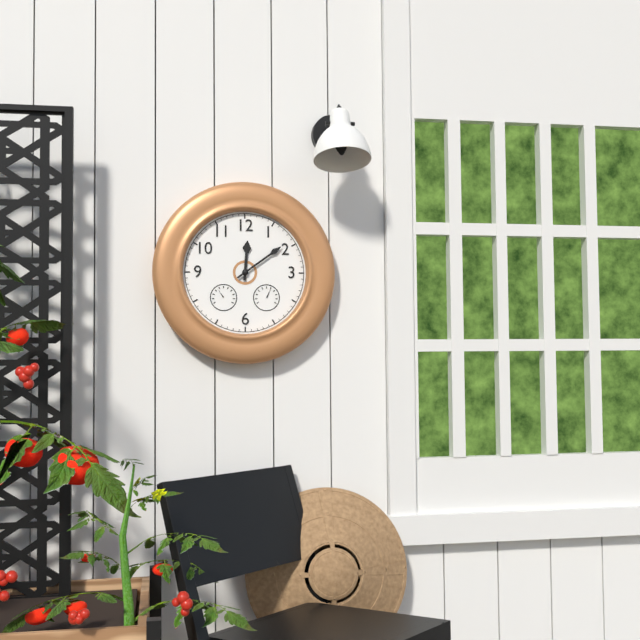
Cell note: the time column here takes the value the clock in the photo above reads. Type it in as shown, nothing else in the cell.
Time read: 12:09
